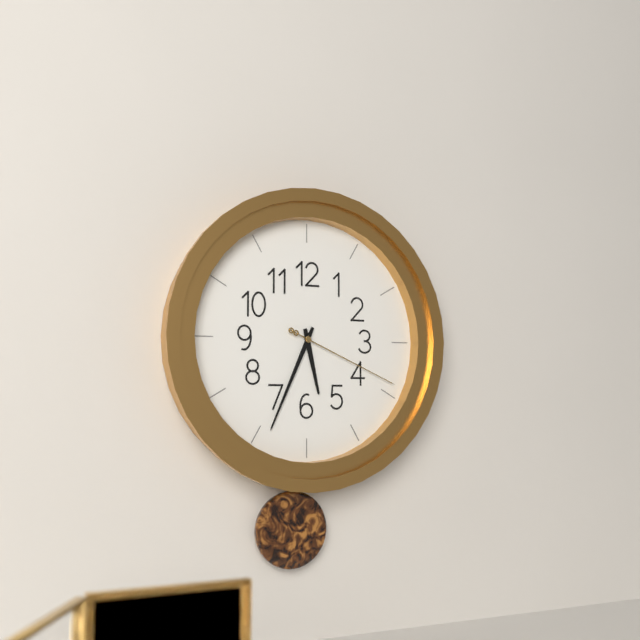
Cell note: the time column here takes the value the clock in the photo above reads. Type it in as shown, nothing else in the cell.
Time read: 5:34:19
